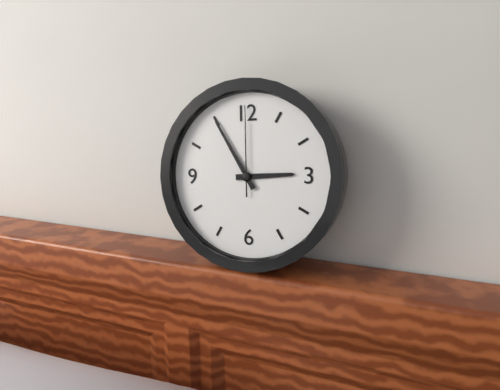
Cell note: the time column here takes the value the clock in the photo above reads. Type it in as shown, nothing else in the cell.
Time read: 2:55:00
